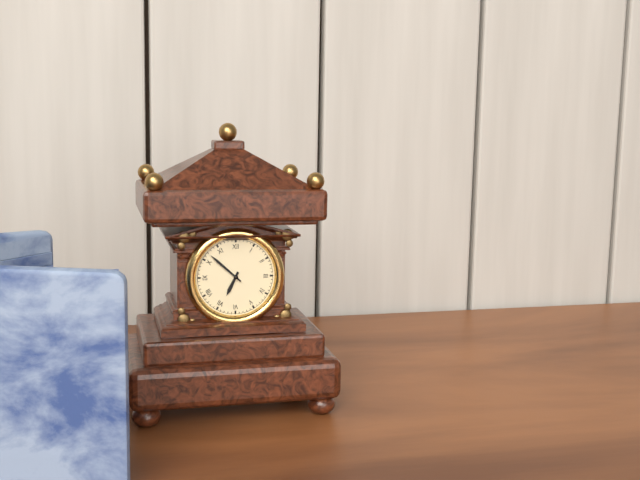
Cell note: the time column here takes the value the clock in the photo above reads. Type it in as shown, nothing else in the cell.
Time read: 6:52
